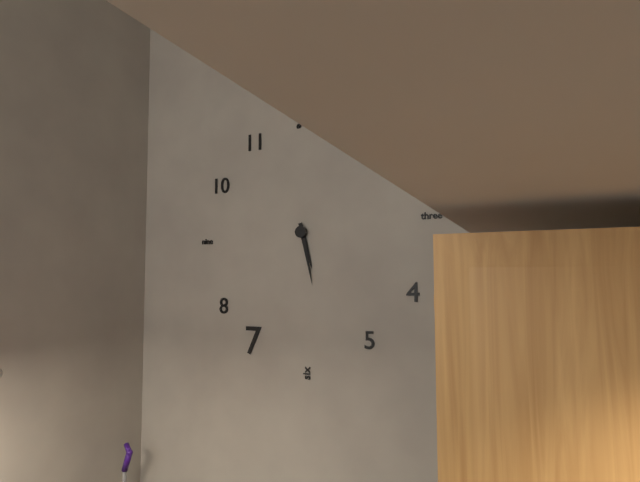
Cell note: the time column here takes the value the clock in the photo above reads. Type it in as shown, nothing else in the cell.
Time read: 5:28
